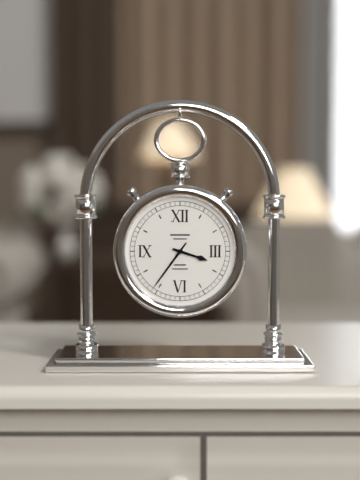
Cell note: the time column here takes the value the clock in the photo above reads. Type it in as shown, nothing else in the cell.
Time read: 3:36
